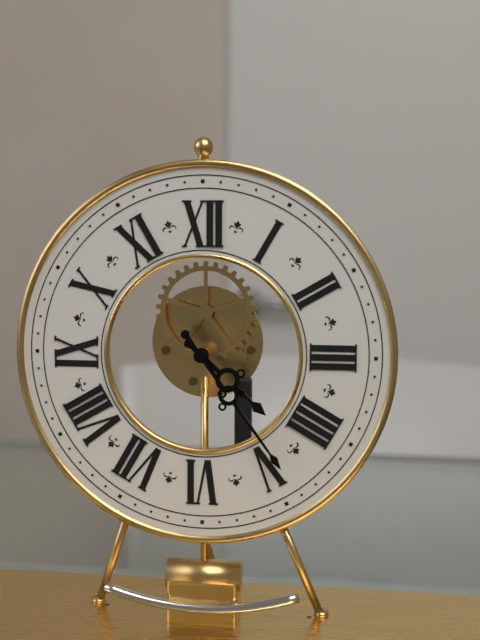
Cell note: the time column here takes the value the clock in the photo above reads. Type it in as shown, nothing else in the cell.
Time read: 4:24
